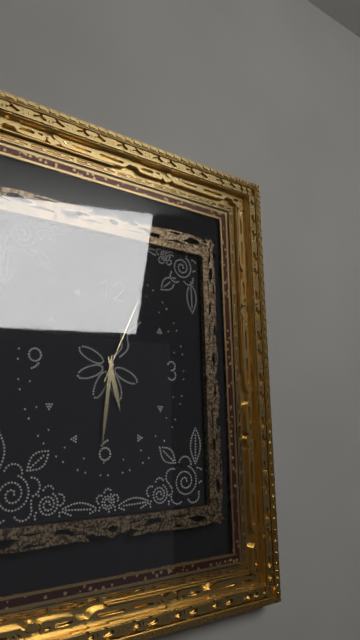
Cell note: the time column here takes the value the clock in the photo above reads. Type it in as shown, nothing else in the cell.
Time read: 5:31:04
